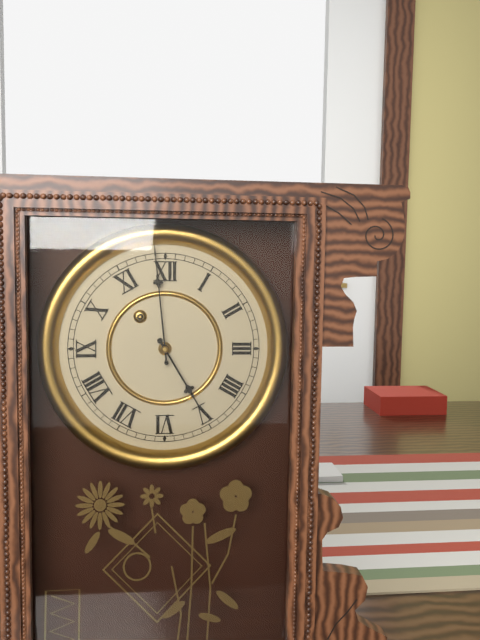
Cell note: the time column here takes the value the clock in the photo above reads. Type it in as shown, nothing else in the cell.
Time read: 4:59
